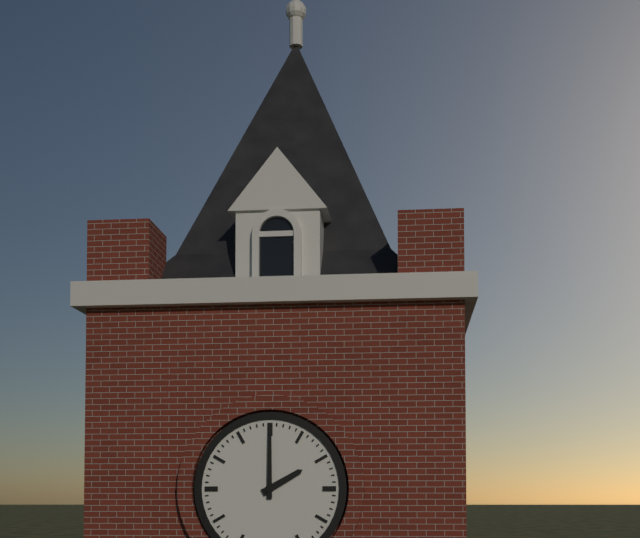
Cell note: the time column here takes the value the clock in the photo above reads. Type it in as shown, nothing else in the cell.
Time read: 2:00
